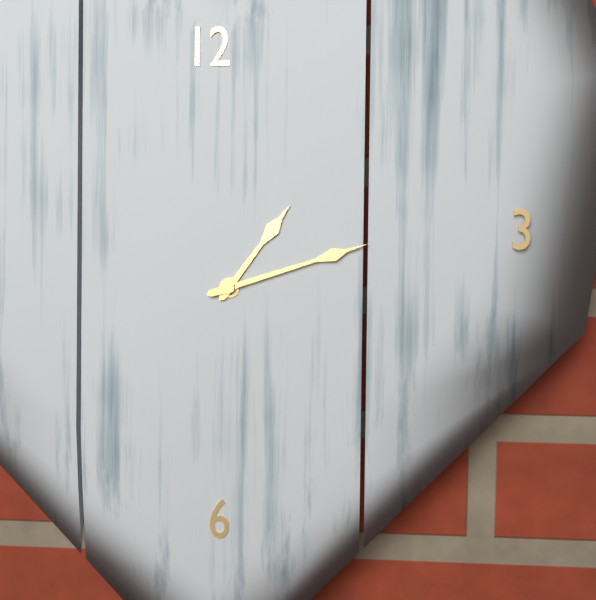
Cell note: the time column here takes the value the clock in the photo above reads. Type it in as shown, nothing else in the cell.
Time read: 1:12
